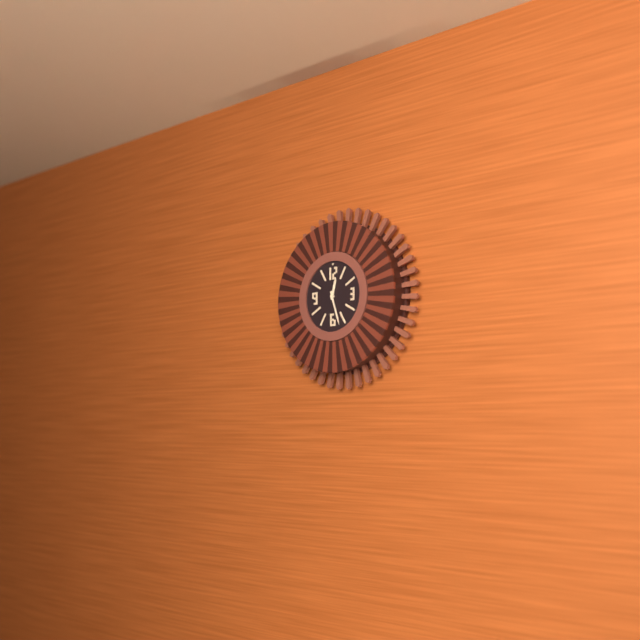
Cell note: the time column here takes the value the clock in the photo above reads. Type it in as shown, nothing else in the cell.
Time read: 12:27
